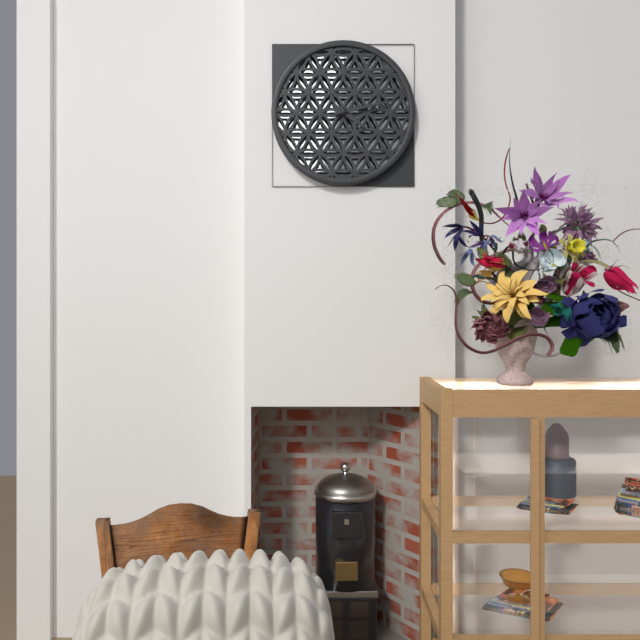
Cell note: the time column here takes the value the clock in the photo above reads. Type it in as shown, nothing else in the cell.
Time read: 4:13
